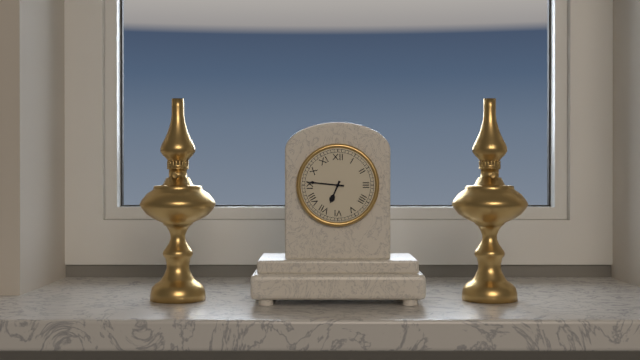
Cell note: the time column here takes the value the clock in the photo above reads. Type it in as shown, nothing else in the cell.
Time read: 6:46
